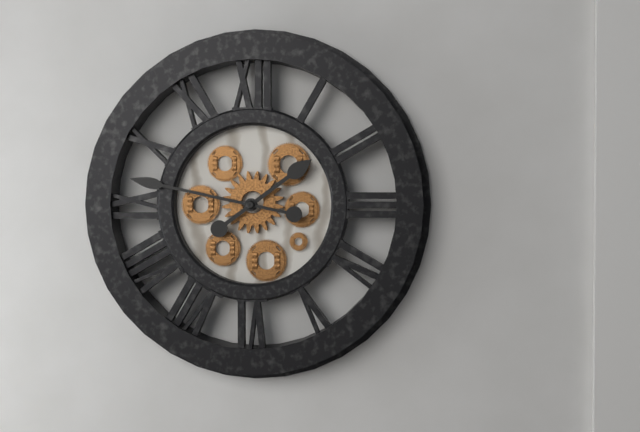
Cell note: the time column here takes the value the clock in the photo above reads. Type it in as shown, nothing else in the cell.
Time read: 1:47
